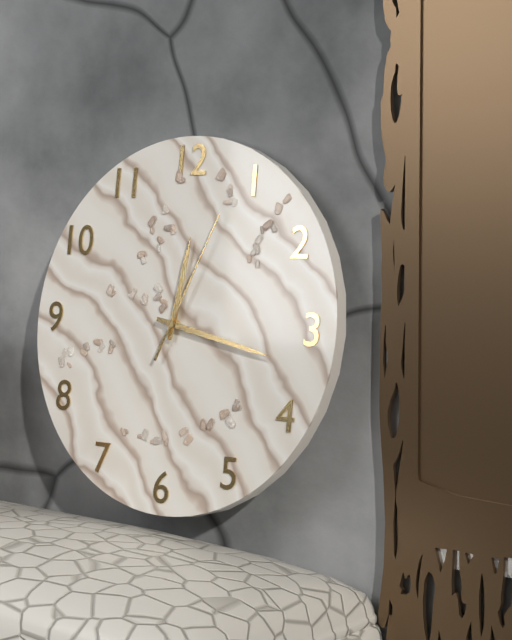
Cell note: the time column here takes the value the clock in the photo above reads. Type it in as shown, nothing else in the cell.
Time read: 12:17:04
